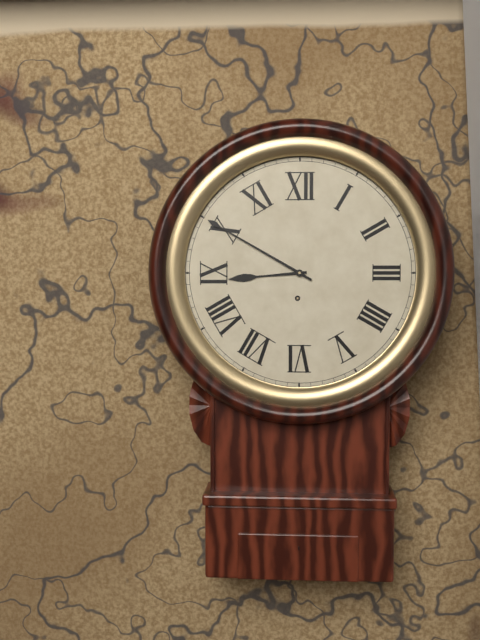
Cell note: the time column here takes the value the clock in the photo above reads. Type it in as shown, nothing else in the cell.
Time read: 8:50
